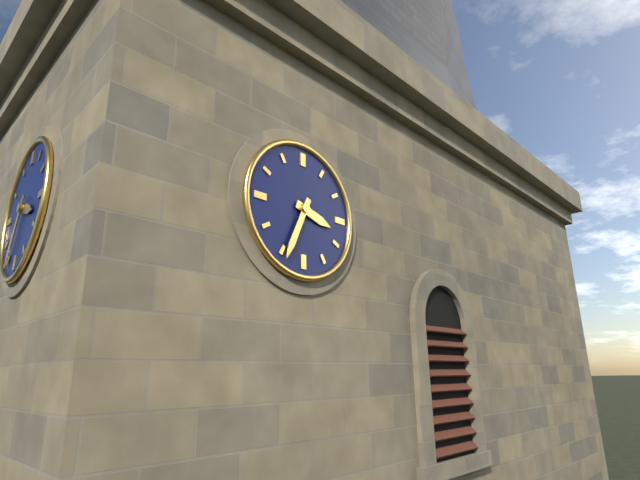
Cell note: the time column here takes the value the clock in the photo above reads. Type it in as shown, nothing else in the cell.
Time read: 3:34
